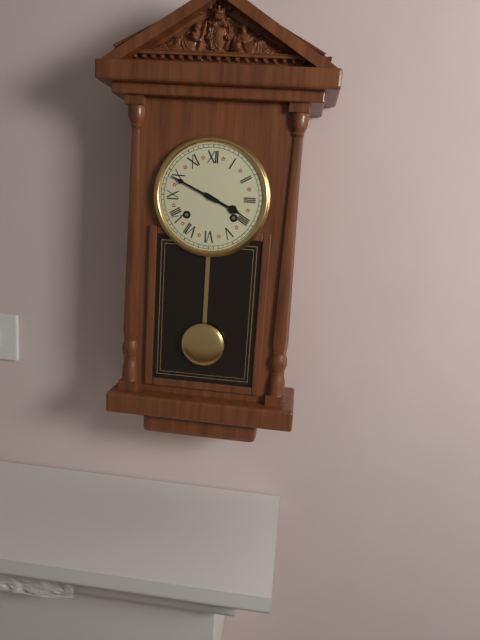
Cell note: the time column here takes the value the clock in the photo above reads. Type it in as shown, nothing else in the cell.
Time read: 3:49
